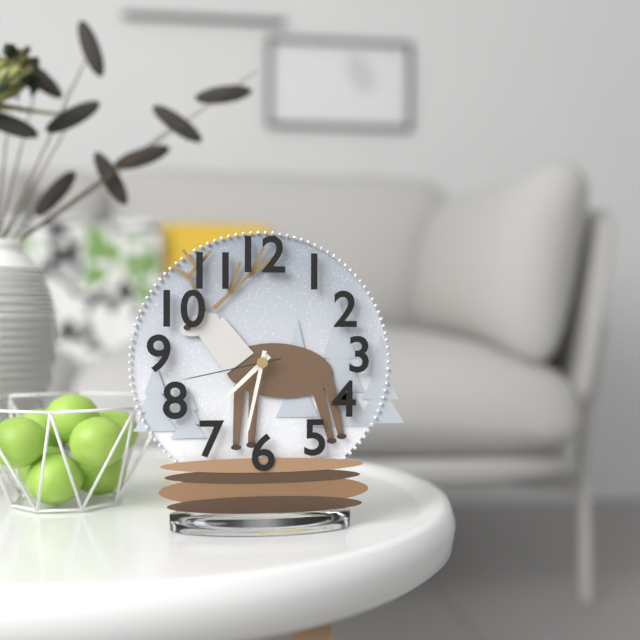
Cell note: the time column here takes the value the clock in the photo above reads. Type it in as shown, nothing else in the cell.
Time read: 7:32:43
